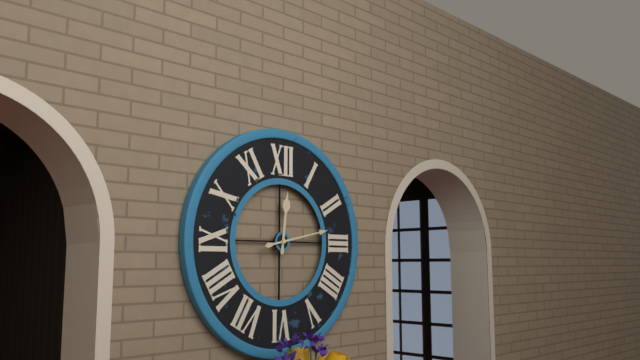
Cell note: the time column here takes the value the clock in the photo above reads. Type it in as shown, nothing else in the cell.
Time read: 12:13
